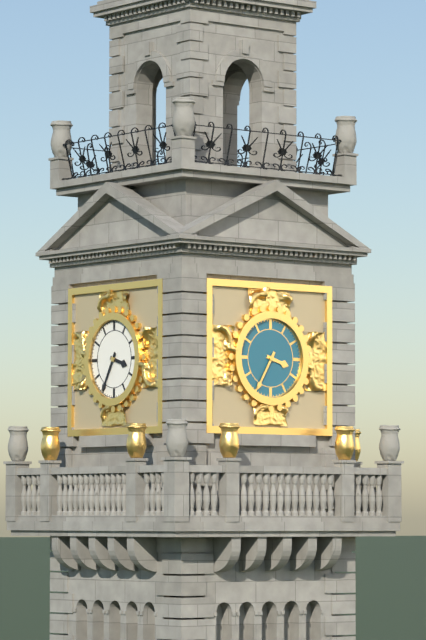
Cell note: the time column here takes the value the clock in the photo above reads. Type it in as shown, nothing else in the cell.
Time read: 3:35
